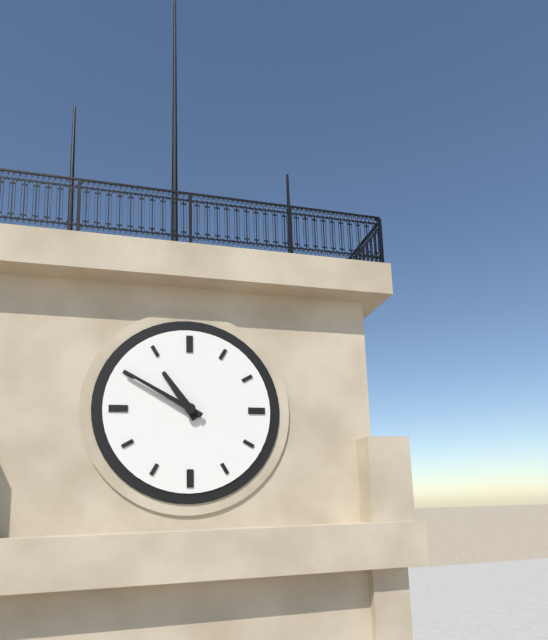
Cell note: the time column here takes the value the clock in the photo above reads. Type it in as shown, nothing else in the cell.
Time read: 10:50
